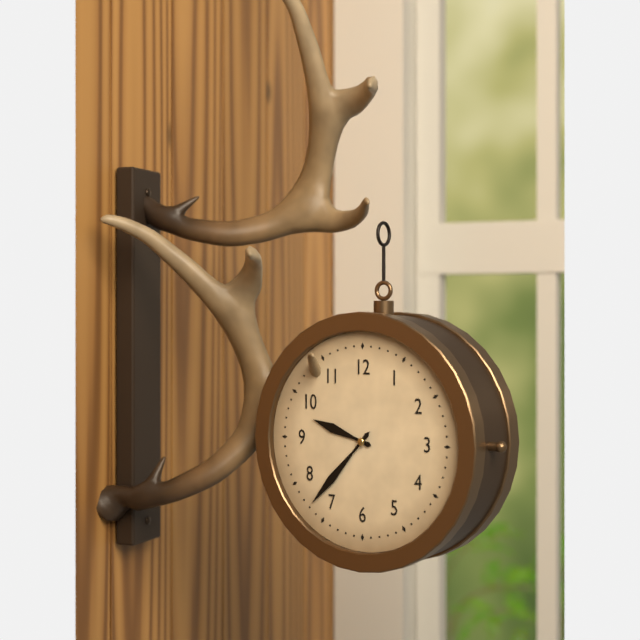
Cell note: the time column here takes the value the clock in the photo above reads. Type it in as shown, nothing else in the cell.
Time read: 9:37
